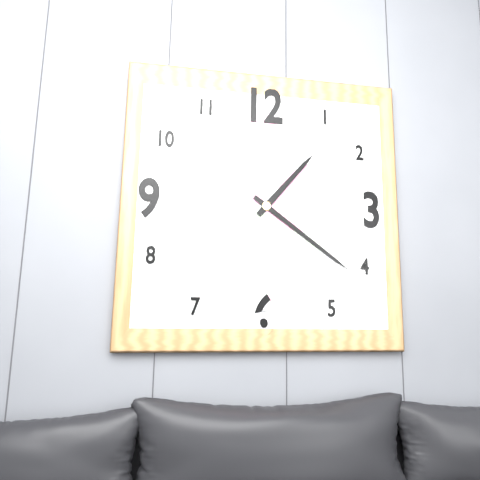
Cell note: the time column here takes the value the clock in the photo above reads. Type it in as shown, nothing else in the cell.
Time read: 1:21
